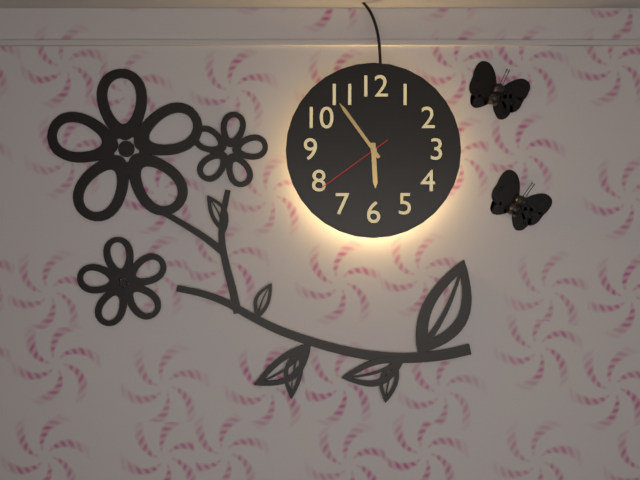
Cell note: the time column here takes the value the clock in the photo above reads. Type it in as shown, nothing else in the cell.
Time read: 5:54:39
